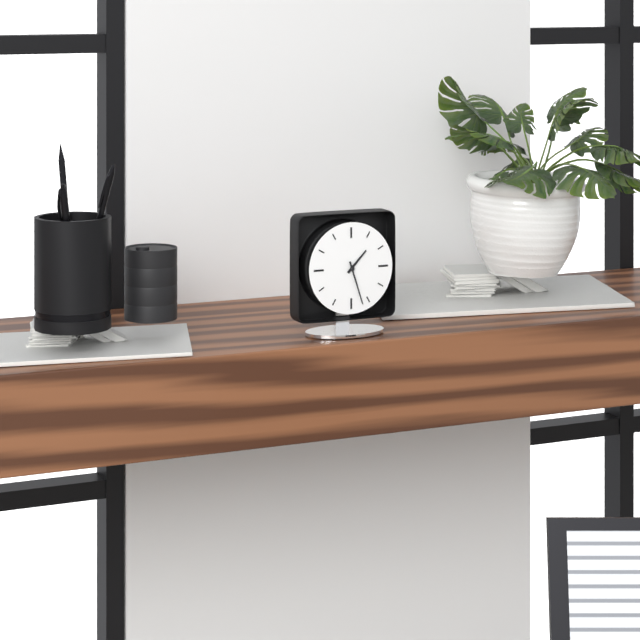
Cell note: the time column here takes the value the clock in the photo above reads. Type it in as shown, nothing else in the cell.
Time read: 1:27
